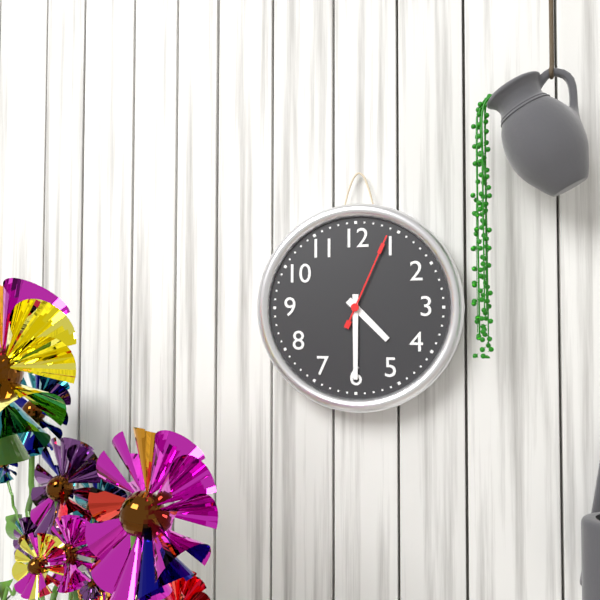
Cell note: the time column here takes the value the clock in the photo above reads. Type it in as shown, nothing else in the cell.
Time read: 4:30:04
